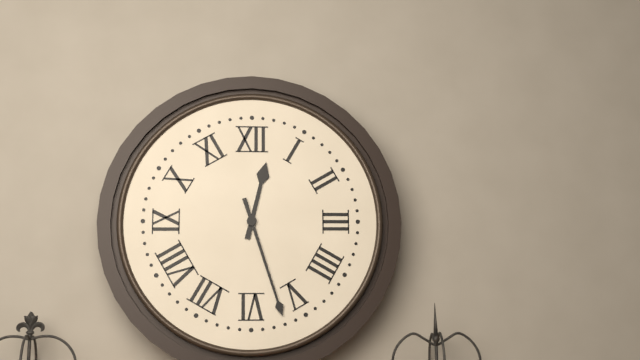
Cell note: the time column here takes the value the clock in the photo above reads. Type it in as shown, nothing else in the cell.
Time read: 12:27
